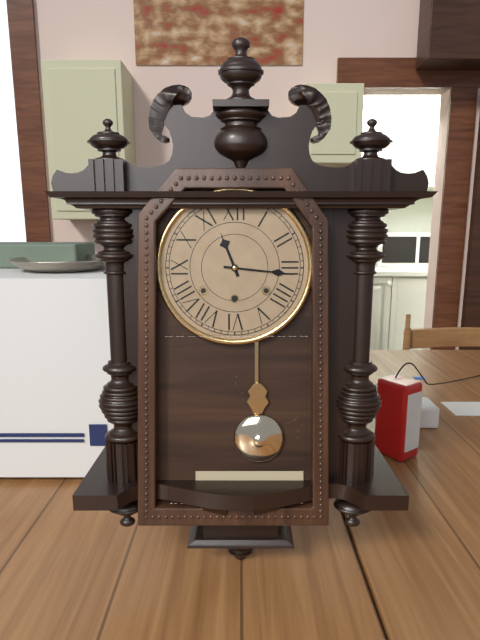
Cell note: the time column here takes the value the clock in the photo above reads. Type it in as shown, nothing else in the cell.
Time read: 11:16
